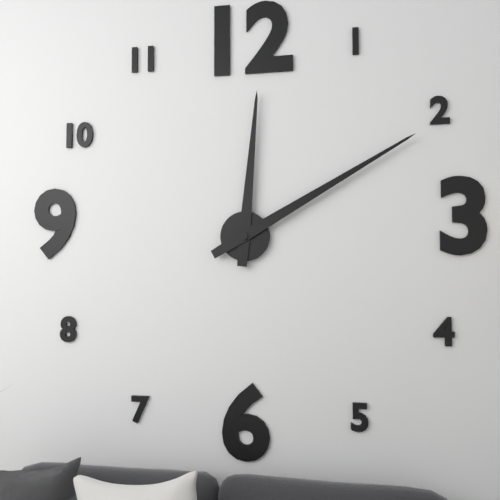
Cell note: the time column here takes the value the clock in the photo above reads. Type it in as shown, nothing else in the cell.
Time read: 12:10
